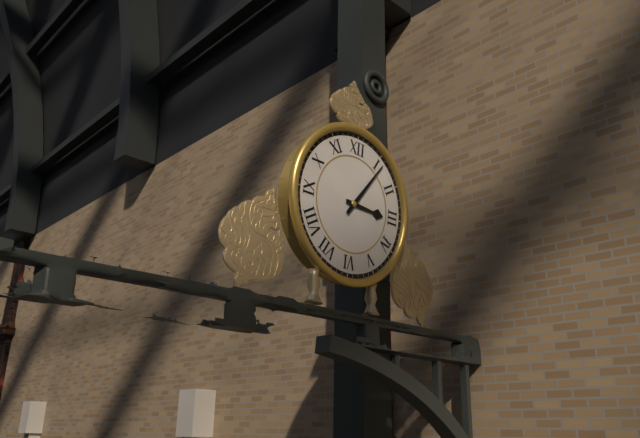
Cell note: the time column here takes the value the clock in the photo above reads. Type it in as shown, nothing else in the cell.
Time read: 3:06
